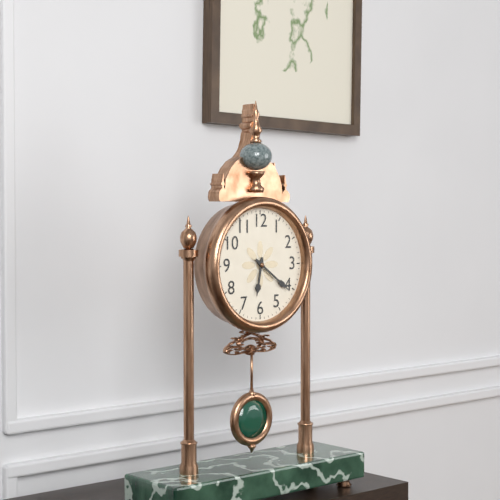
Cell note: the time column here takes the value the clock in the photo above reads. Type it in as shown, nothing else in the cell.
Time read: 6:21
